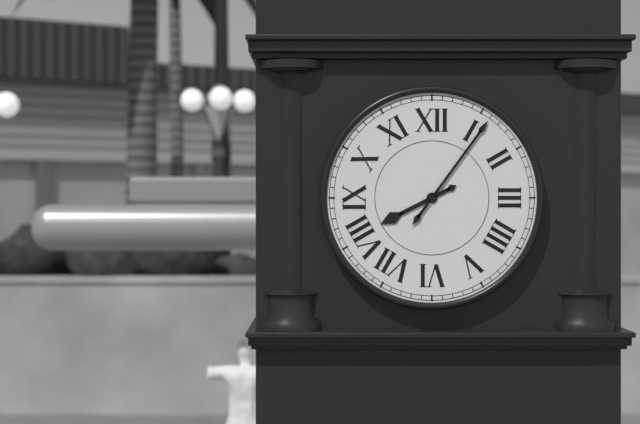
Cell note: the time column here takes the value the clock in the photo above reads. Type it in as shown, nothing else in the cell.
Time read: 8:06
